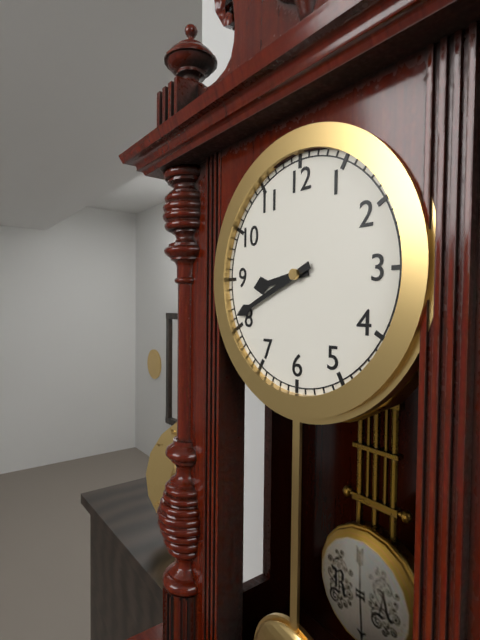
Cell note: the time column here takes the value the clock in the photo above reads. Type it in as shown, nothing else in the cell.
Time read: 8:41
